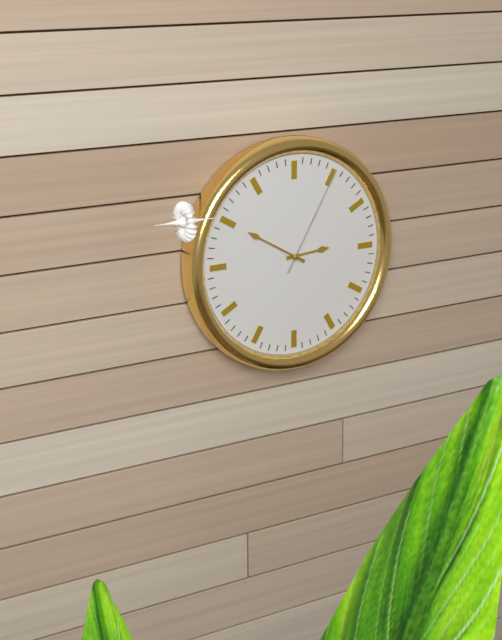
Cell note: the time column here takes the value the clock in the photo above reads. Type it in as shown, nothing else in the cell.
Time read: 2:50:05
